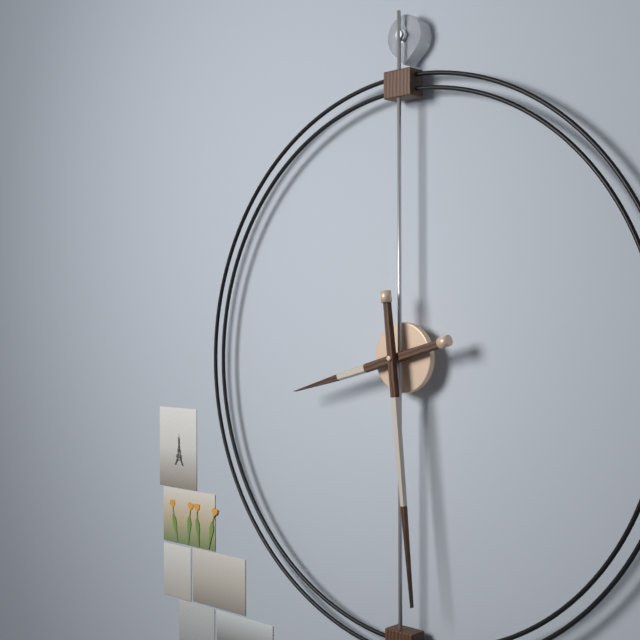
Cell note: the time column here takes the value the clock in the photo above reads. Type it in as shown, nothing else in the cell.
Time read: 8:29
